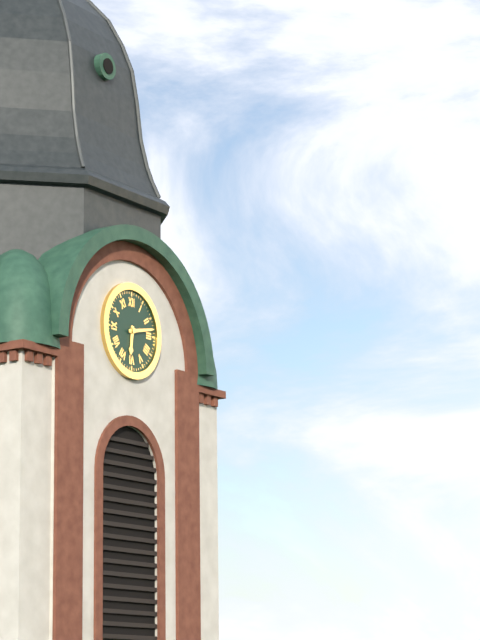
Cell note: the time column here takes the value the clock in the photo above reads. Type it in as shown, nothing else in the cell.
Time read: 6:13
